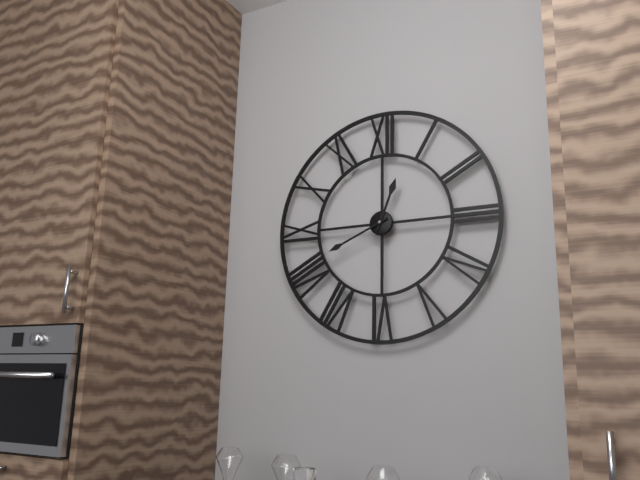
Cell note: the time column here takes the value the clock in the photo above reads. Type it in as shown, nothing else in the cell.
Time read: 12:41
